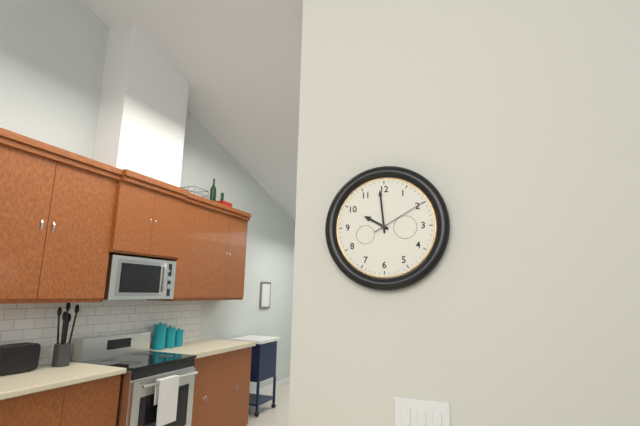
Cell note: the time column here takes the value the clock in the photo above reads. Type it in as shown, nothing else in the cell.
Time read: 9:59:10
